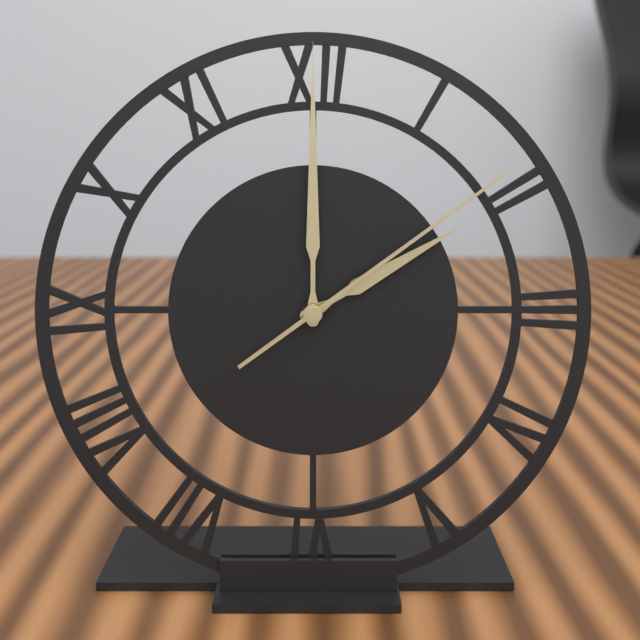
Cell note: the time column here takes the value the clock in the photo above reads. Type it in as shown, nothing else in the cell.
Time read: 2:00:09
